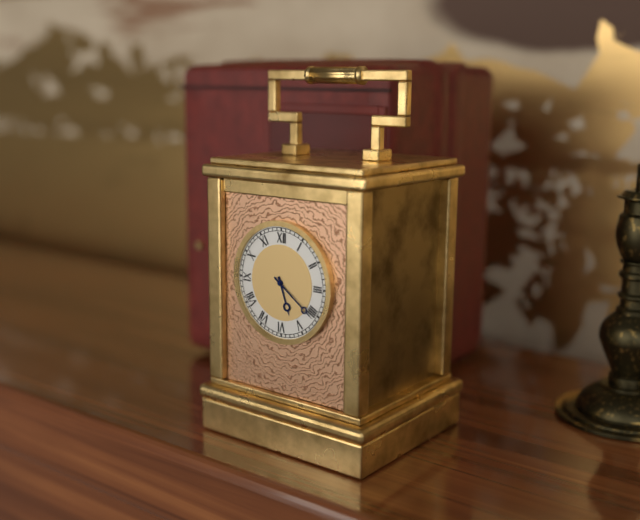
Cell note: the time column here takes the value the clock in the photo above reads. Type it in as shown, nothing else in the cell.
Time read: 5:21
